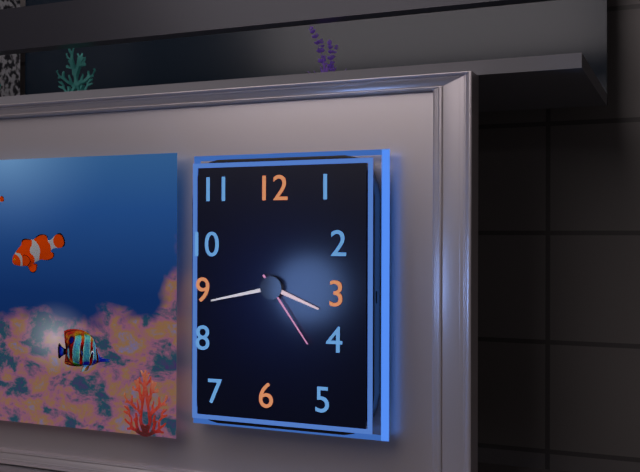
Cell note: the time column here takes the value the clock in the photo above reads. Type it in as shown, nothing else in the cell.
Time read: 3:43:24
